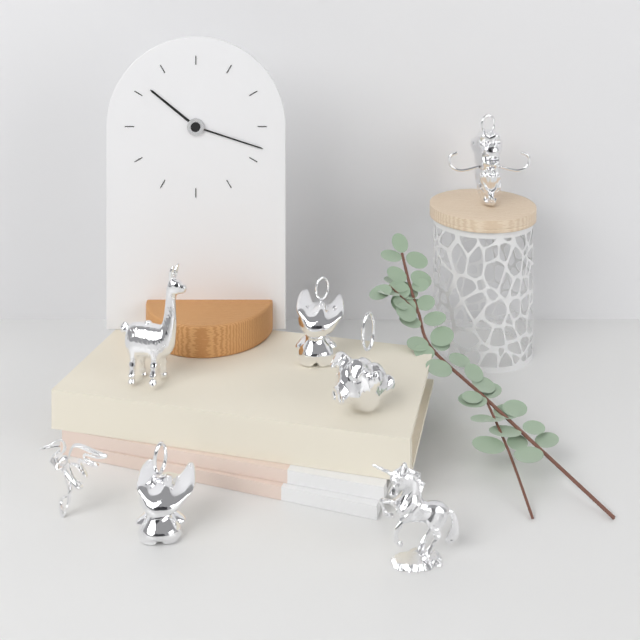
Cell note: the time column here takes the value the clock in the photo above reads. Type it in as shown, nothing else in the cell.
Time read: 10:18
